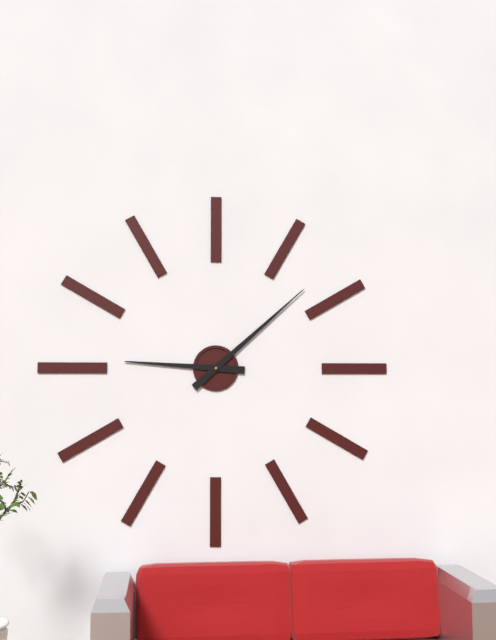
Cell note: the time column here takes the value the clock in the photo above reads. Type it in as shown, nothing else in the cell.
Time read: 9:08
